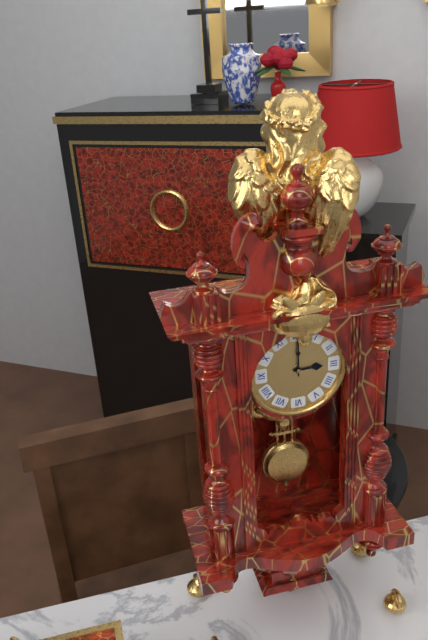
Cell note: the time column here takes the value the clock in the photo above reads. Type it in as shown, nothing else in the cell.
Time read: 3:00
